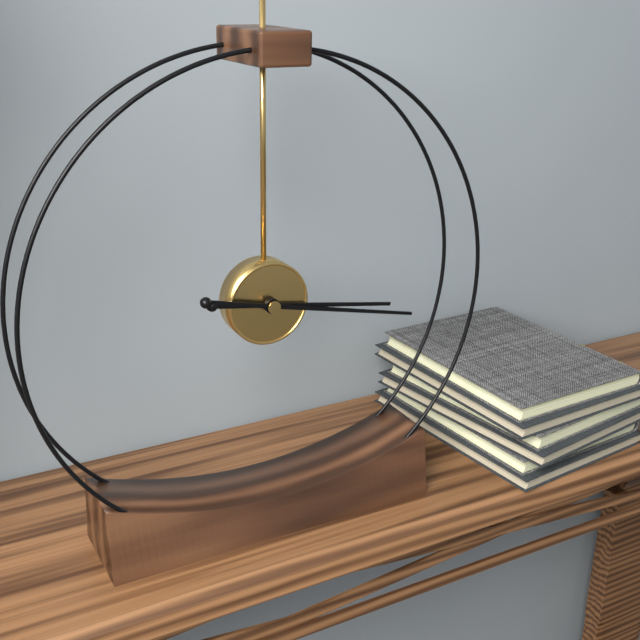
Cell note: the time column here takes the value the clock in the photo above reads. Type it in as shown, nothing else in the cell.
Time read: 3:17
